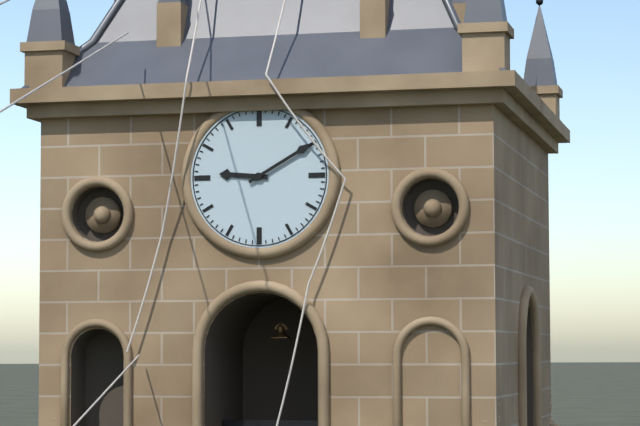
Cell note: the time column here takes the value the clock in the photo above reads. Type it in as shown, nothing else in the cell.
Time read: 9:10
